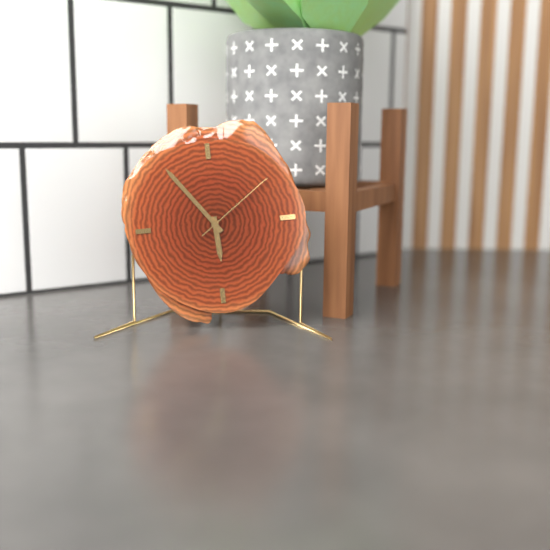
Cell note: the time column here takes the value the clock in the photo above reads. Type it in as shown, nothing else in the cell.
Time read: 5:54:09
